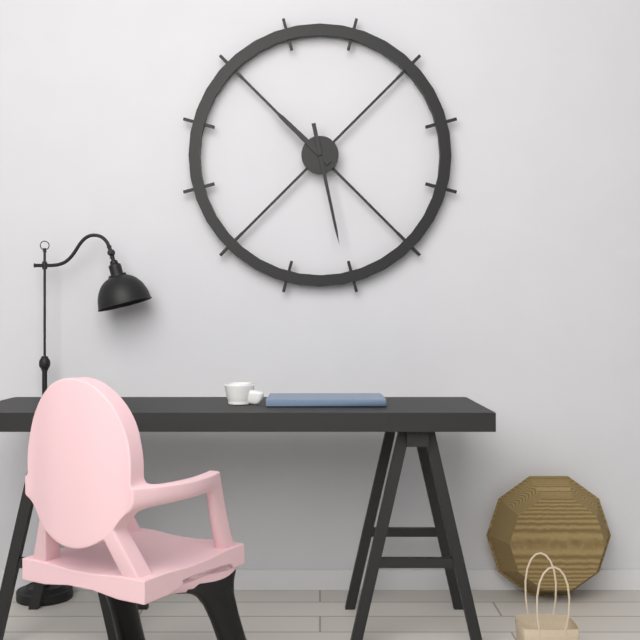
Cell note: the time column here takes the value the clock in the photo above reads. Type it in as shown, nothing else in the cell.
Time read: 10:28
